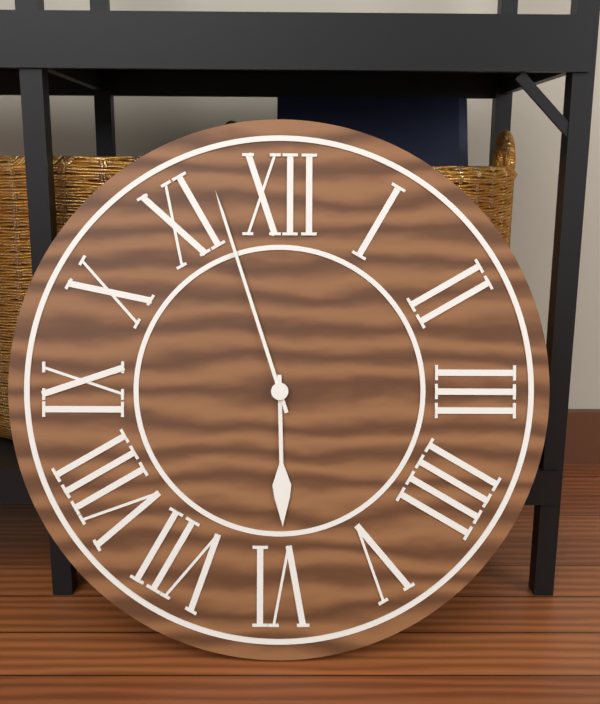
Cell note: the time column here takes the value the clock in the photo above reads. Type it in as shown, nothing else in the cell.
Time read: 5:57
